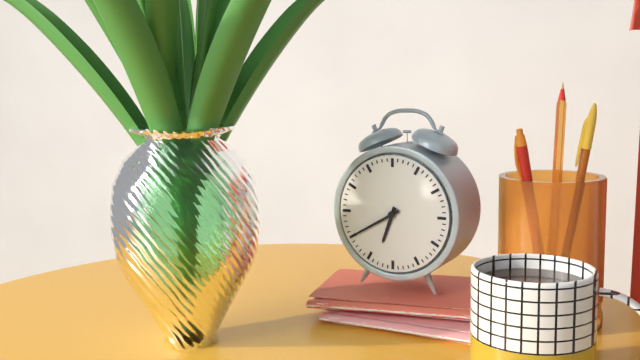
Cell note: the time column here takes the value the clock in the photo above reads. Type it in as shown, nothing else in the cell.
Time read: 6:40
